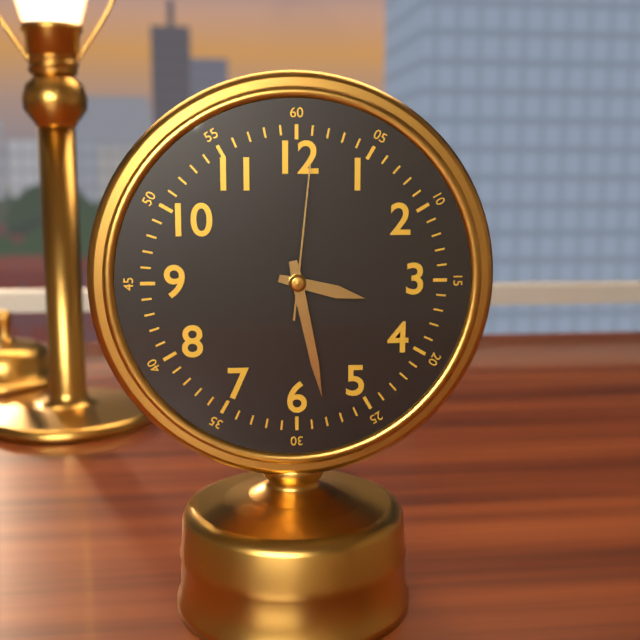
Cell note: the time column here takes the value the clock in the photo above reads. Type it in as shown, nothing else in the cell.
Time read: 3:28:01
